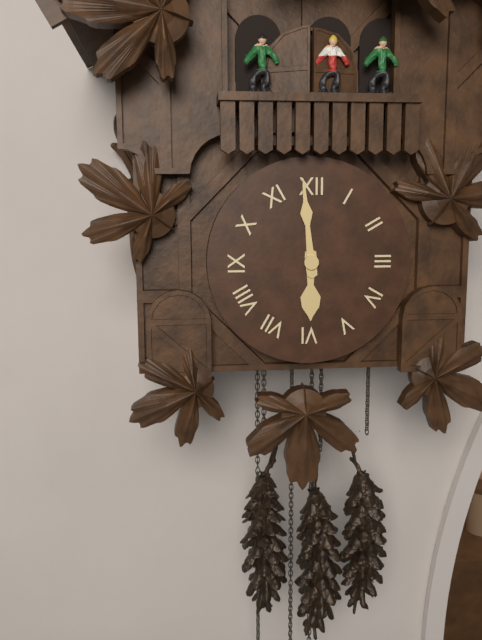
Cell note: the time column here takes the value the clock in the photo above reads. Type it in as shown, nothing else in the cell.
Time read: 5:59
